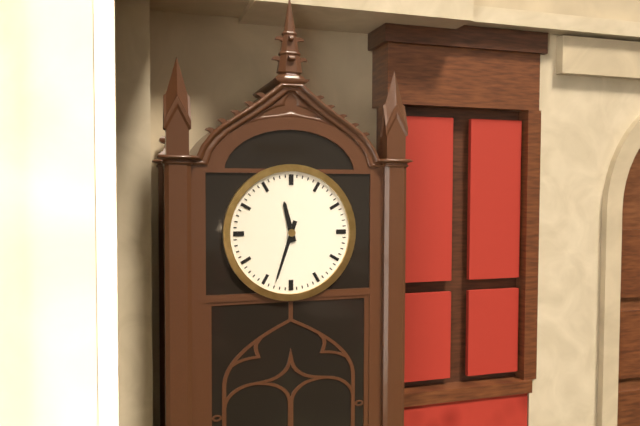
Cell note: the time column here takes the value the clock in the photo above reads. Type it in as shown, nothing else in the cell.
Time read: 11:33
